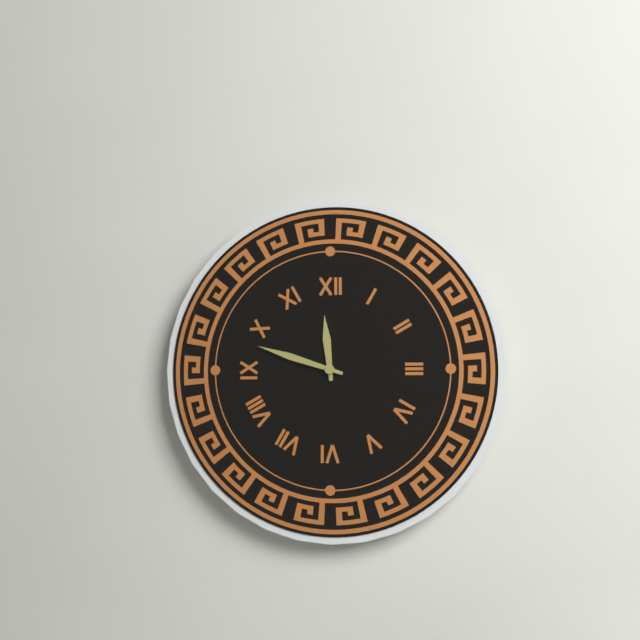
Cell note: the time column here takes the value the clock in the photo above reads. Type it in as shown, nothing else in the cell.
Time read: 11:48
